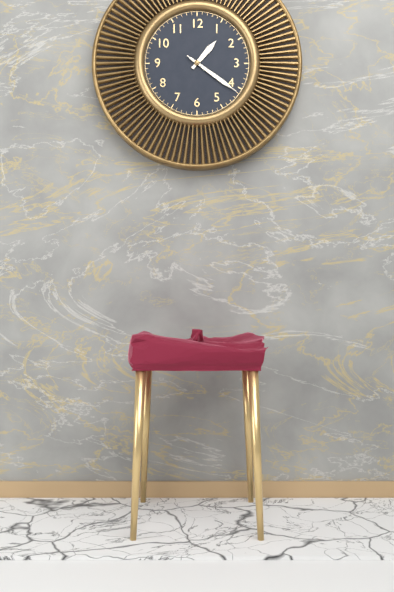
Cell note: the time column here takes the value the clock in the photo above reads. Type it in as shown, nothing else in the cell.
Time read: 1:21:21
